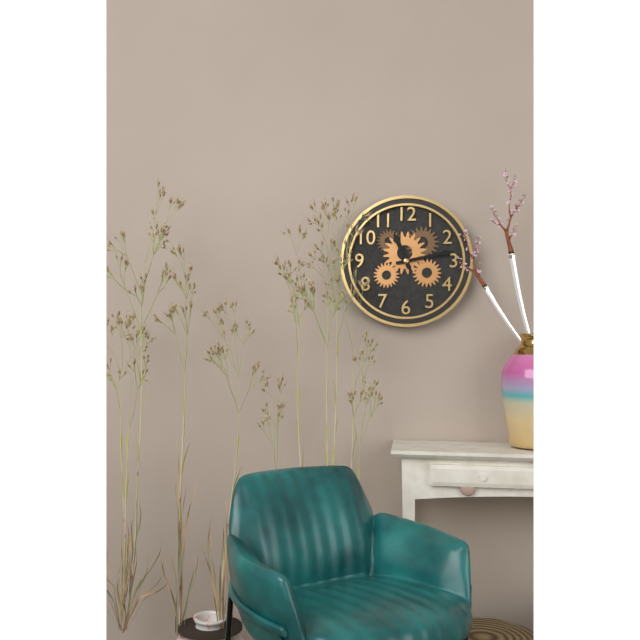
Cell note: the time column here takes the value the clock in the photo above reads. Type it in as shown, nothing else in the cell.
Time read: 11:13
